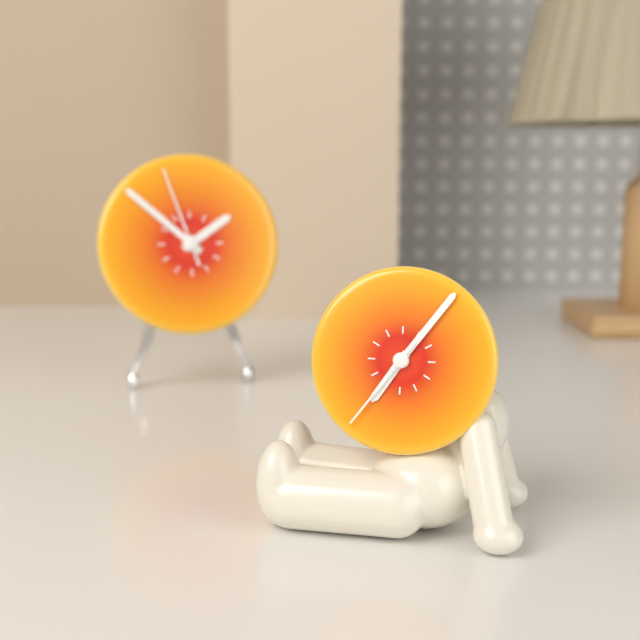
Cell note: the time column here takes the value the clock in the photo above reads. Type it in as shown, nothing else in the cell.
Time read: 7:06:36
